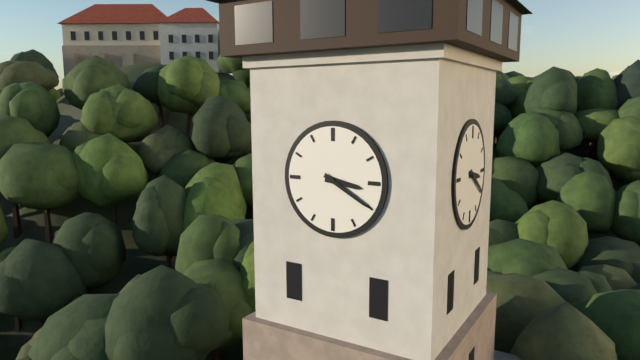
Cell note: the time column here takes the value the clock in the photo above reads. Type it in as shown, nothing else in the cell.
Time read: 3:20
